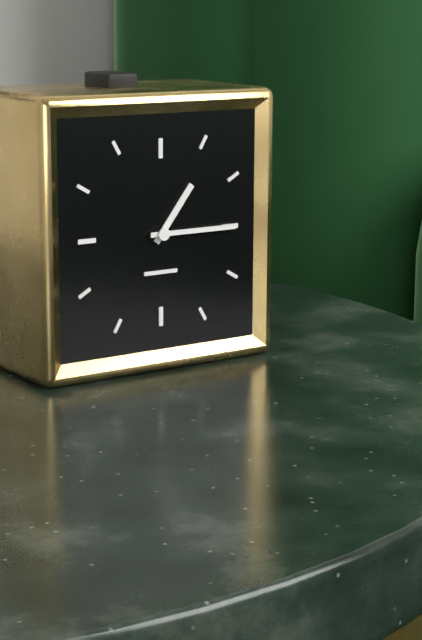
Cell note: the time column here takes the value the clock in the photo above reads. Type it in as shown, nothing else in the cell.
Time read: 1:15
